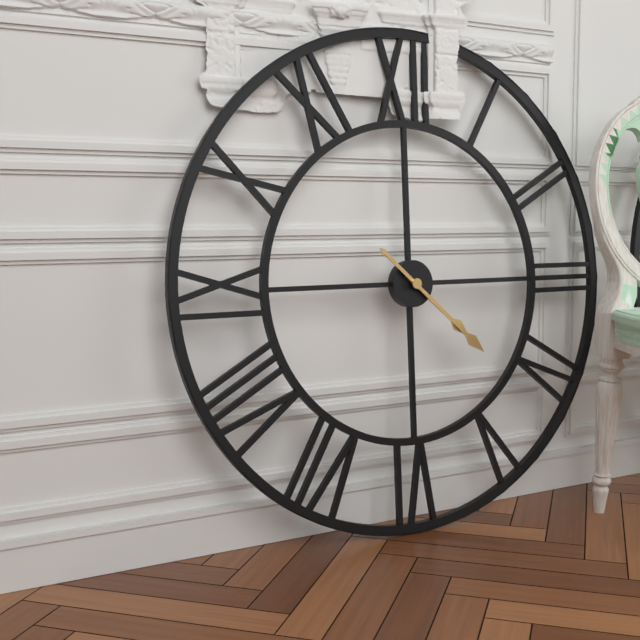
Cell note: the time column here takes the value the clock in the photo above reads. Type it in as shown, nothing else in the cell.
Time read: 4:22
